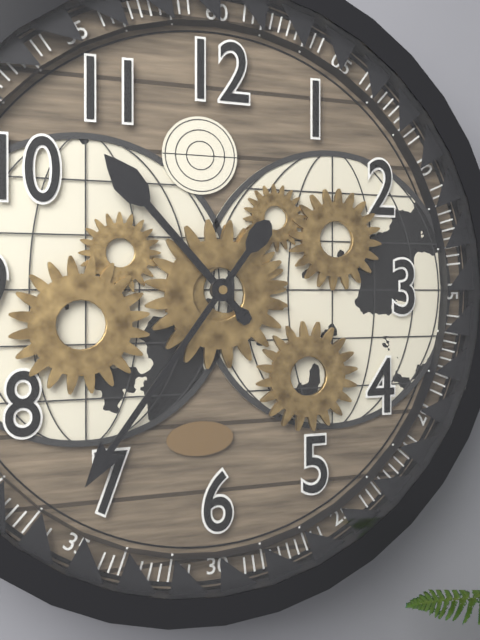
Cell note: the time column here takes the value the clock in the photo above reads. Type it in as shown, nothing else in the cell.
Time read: 10:36
